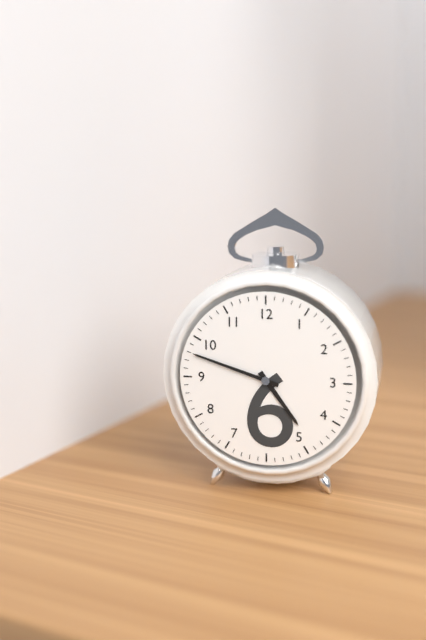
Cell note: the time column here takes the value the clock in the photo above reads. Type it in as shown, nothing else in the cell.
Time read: 4:48
